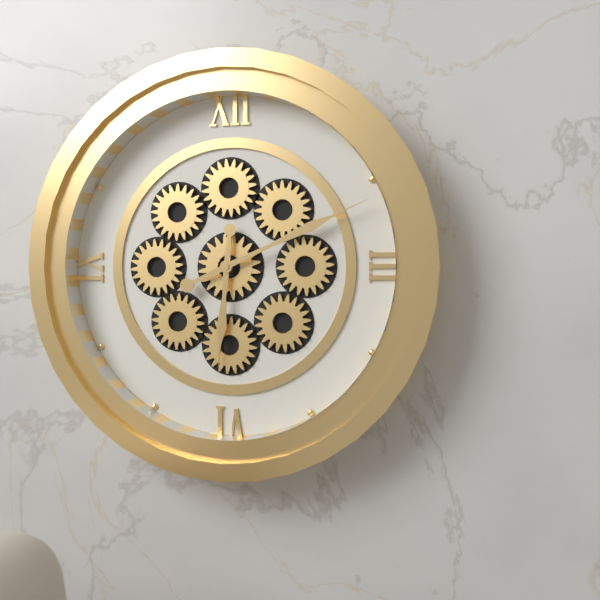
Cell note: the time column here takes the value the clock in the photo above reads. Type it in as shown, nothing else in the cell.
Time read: 6:11
